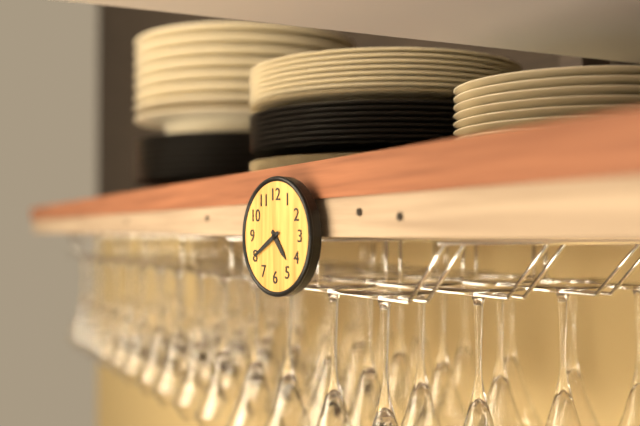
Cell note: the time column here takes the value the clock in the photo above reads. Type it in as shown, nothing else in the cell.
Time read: 4:40
